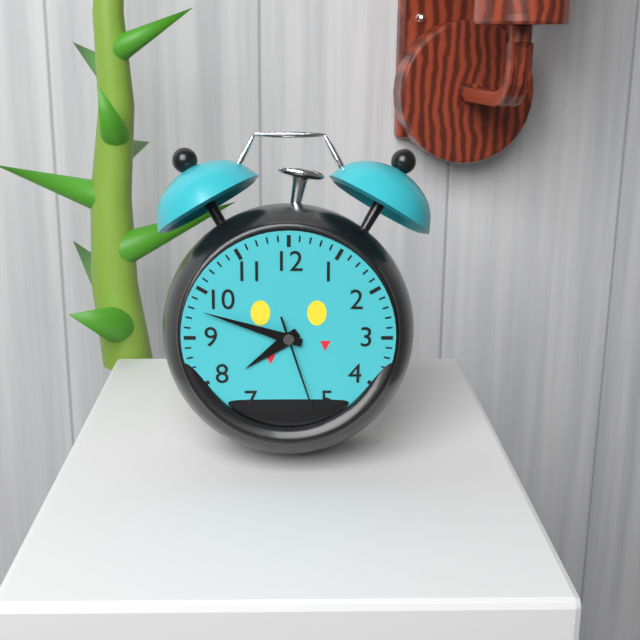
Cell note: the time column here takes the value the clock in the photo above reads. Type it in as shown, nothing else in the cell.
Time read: 7:48:27
